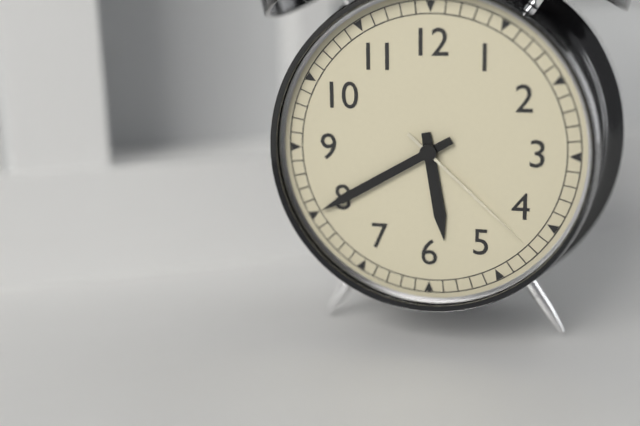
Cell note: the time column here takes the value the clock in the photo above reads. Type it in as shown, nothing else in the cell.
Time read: 5:40:22
